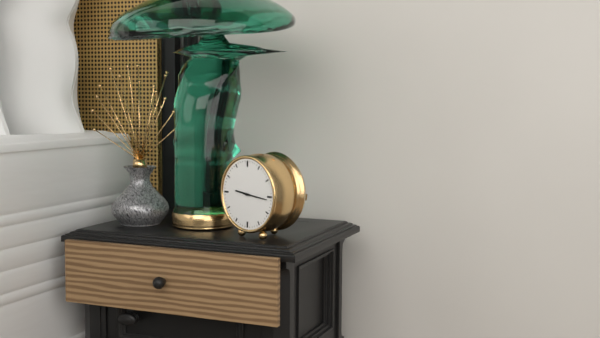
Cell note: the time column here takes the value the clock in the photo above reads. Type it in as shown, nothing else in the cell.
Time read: 9:16
